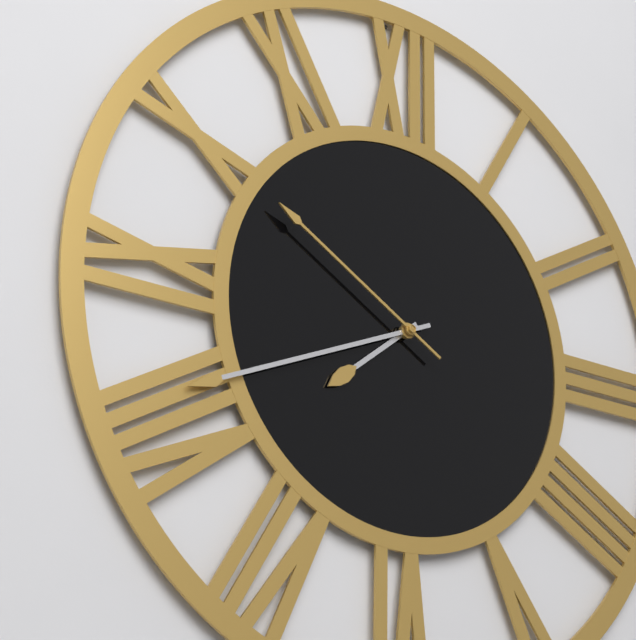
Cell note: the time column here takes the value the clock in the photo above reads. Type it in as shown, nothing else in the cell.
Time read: 7:41:50
